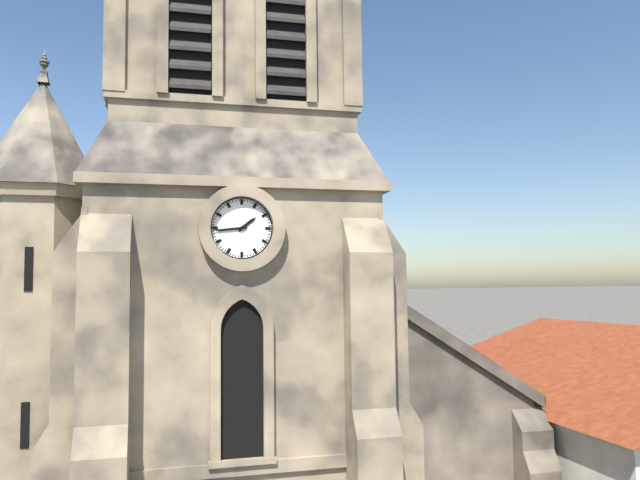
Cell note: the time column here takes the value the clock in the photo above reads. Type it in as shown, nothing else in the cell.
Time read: 1:44
